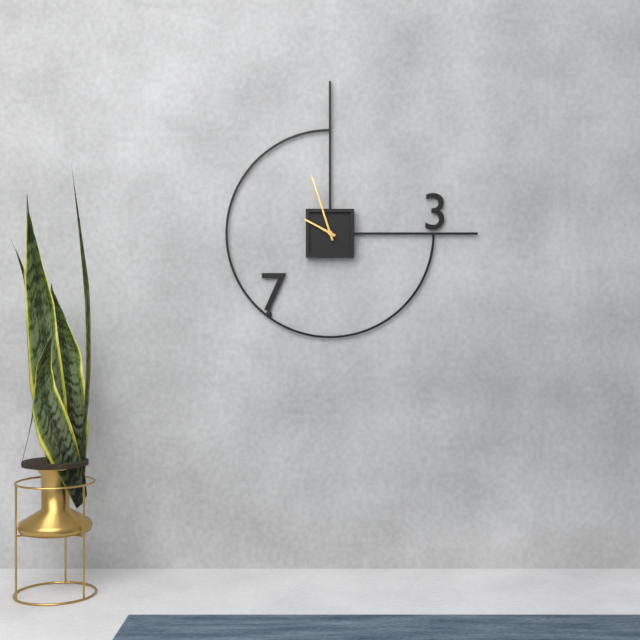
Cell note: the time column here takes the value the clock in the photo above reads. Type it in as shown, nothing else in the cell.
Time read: 9:57
